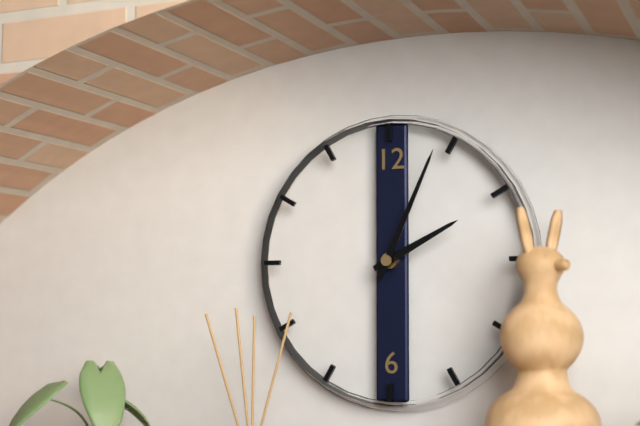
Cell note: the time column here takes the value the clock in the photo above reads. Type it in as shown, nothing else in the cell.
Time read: 2:04
